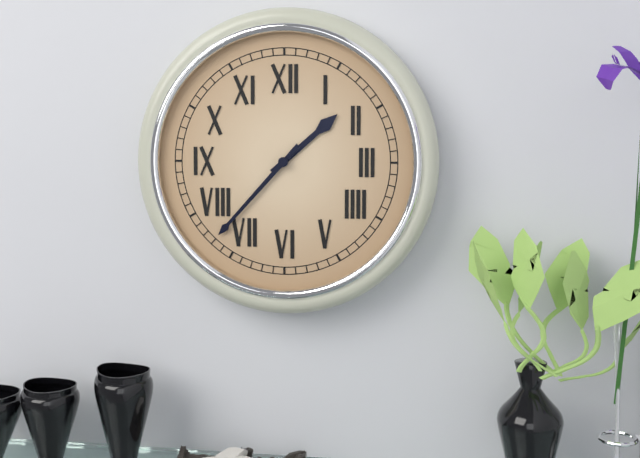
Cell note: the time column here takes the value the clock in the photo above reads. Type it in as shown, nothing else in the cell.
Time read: 1:37
